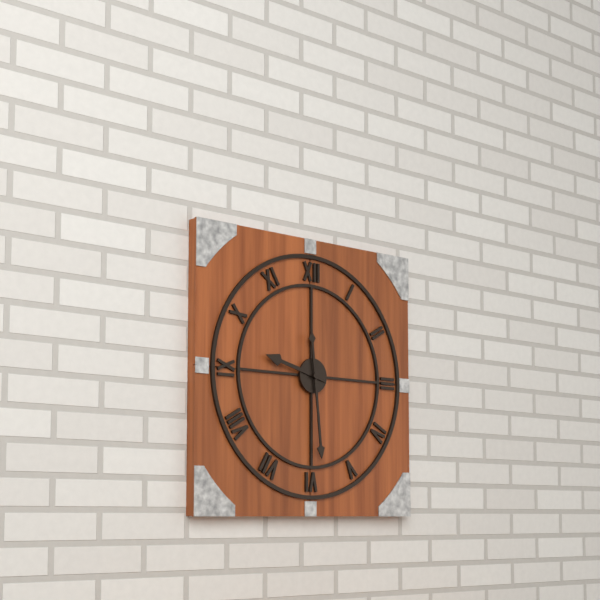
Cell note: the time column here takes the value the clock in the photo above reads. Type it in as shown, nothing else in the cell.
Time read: 9:29
